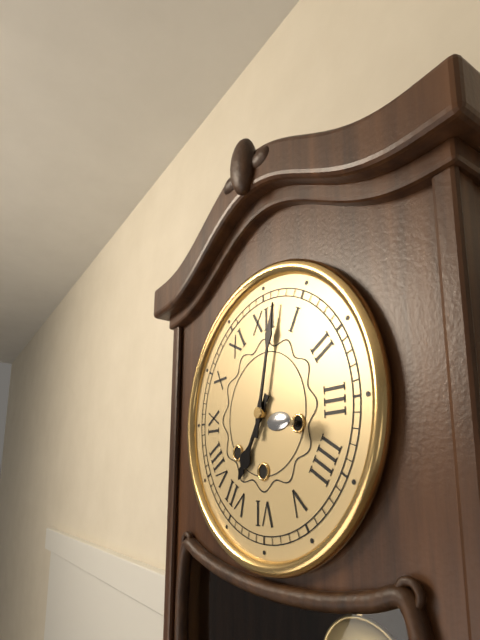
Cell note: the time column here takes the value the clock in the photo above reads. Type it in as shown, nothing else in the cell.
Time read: 7:02
